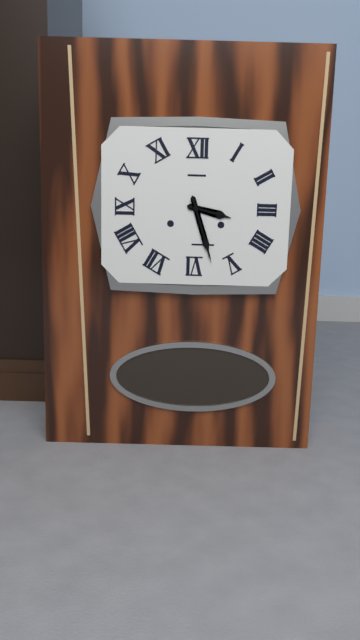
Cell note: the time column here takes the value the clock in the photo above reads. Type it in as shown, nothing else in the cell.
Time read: 3:27
